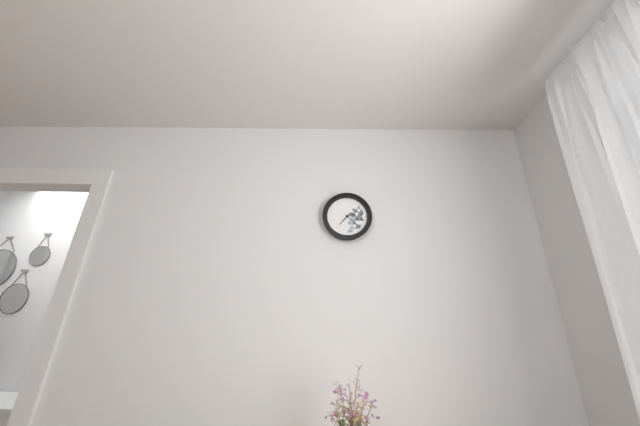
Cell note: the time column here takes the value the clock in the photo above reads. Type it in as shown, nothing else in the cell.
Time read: 7:22
